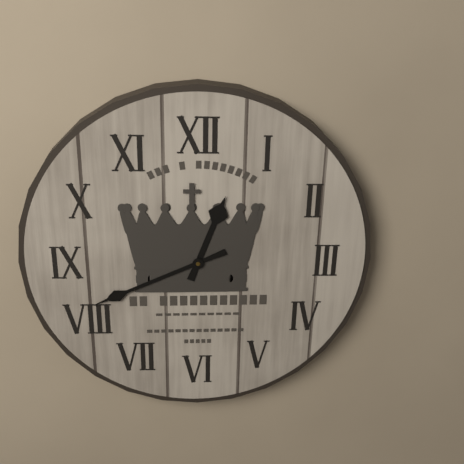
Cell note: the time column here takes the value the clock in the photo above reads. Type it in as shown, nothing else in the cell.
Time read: 12:41
